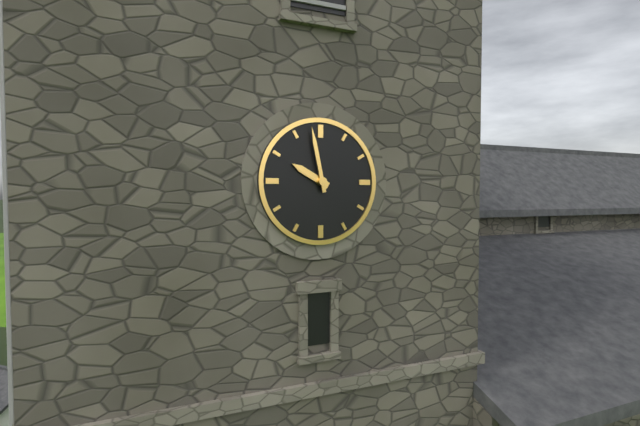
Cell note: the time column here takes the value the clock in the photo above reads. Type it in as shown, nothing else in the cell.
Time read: 9:58
